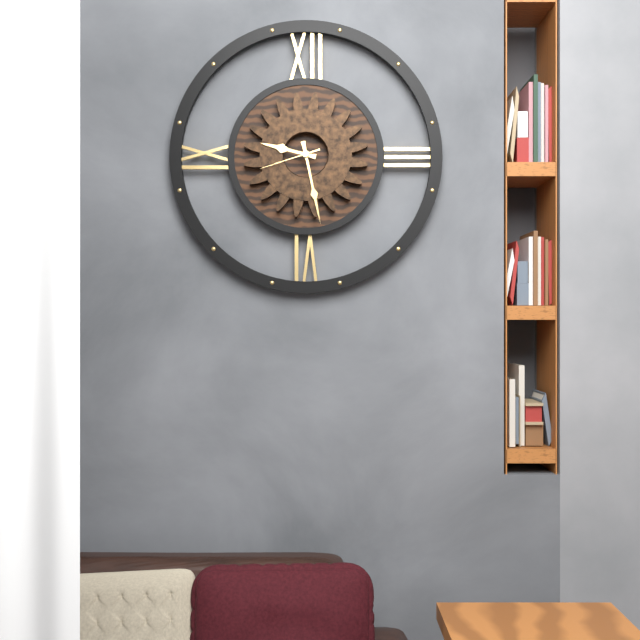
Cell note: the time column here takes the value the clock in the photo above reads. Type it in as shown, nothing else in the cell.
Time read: 9:28:42
